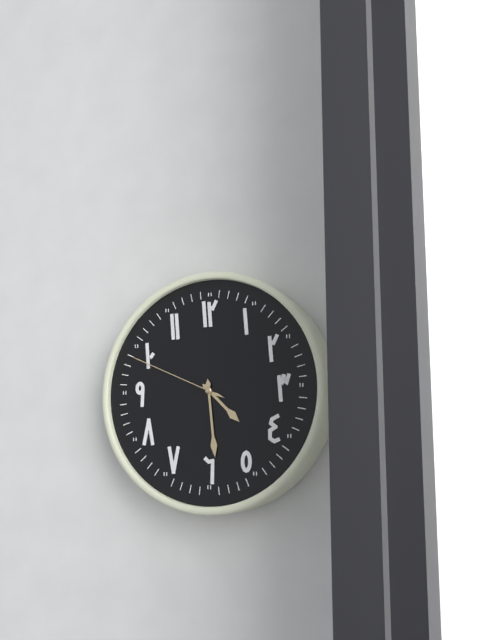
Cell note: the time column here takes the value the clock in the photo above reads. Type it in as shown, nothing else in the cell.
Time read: 4:29:49
